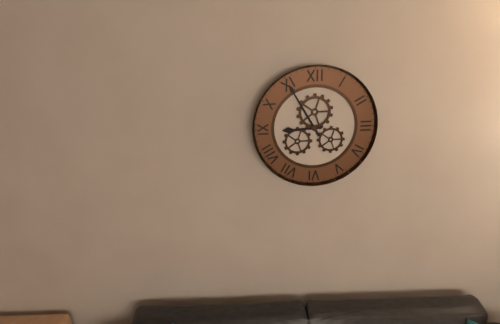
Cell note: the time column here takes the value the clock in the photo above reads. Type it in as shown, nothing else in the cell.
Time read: 8:55
